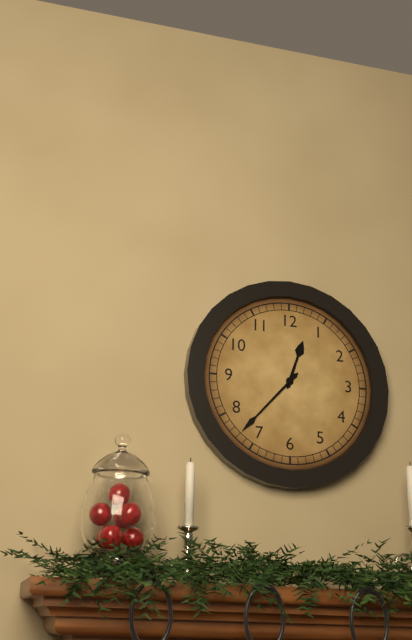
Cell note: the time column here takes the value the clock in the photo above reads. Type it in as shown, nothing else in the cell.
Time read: 12:37
